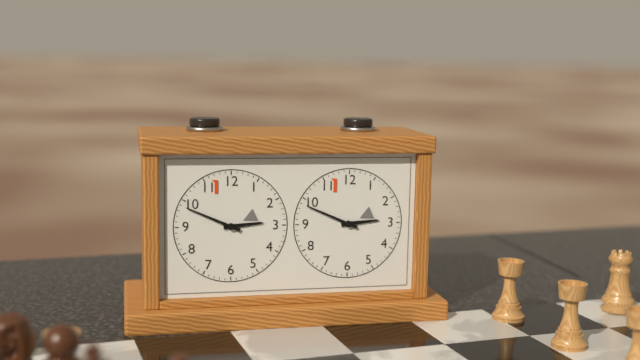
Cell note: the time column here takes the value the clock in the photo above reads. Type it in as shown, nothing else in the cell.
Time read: 2:49
